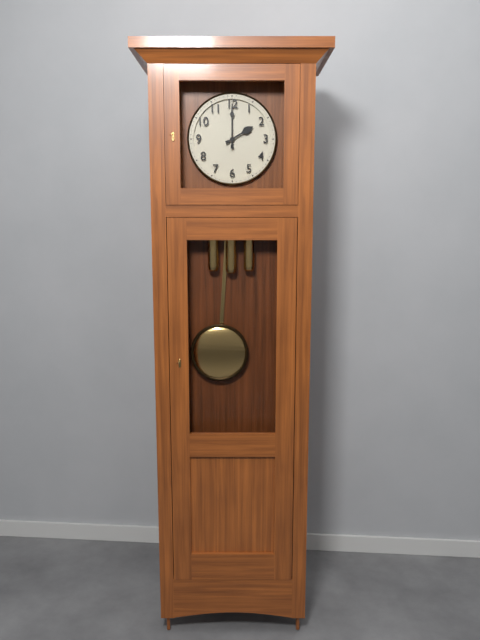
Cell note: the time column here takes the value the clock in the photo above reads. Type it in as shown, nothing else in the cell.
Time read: 2:00
